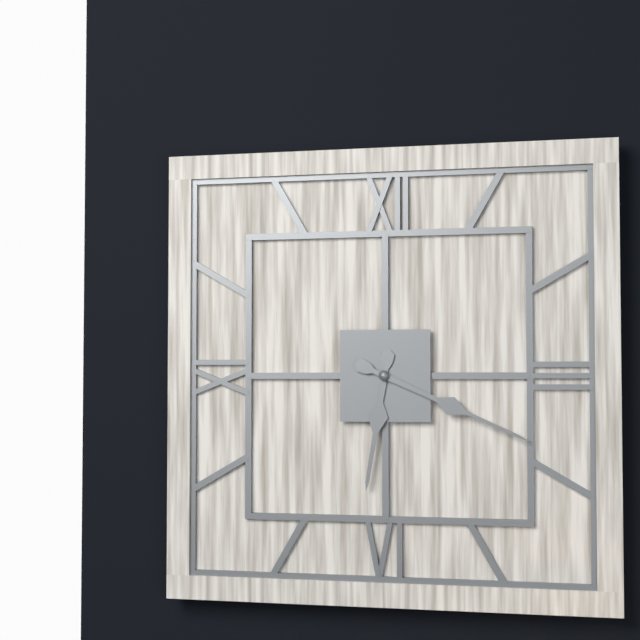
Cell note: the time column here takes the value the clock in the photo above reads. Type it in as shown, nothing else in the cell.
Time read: 6:19
